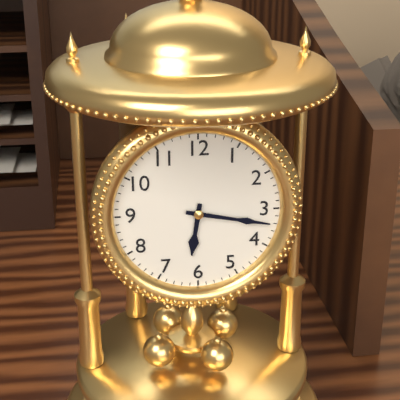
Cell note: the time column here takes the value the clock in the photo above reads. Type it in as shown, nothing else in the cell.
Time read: 6:17
